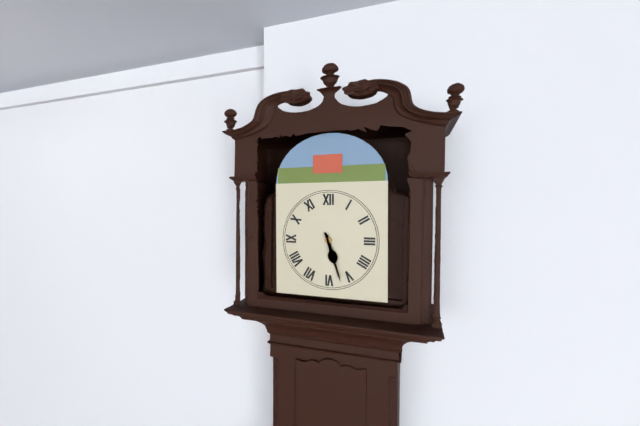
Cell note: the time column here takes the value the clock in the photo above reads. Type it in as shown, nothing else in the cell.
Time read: 5:27
